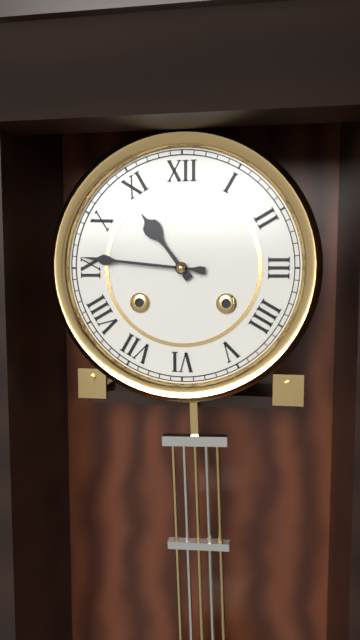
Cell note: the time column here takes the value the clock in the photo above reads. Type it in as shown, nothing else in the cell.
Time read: 10:46
